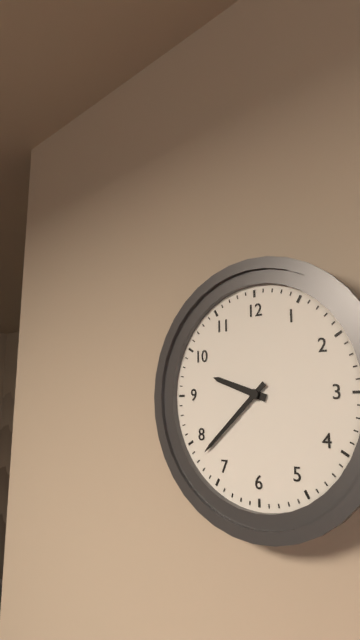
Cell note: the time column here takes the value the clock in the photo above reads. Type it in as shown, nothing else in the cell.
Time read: 9:38
